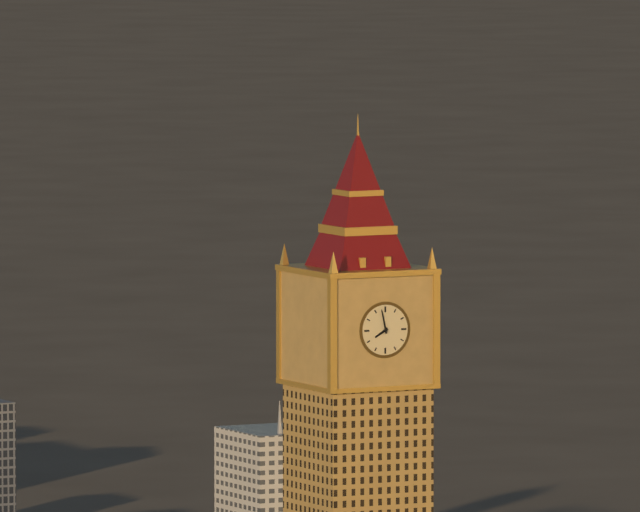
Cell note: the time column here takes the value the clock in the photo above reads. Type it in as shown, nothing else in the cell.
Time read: 7:58
